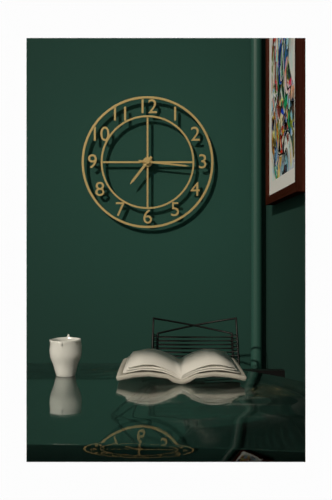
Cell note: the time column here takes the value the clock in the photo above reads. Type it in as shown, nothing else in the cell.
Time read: 7:16
